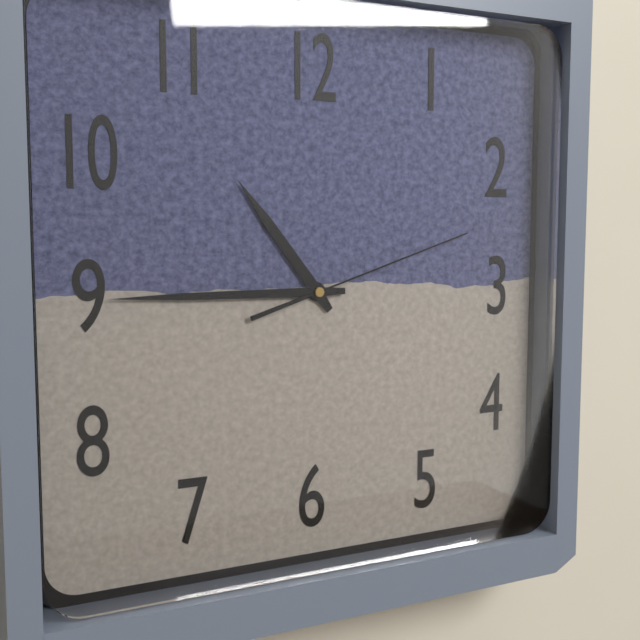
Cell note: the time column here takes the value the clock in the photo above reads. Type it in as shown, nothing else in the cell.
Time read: 10:45:12
